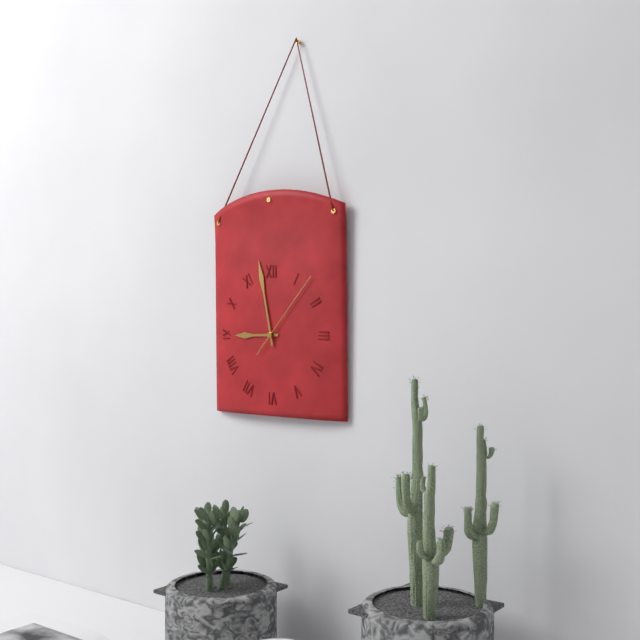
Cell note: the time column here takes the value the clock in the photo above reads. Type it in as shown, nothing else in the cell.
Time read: 8:58:07
